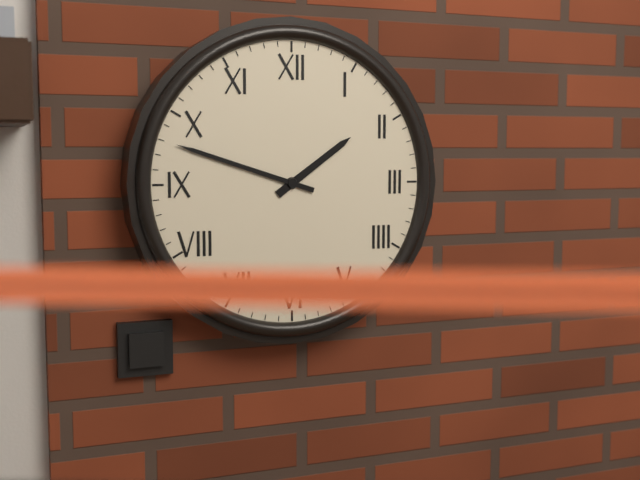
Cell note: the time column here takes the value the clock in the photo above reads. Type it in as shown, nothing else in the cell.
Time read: 1:48
